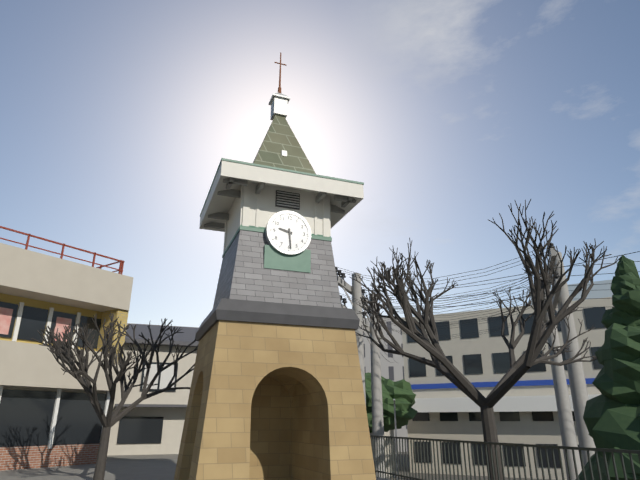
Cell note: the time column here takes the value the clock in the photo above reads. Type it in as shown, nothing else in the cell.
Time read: 9:29
